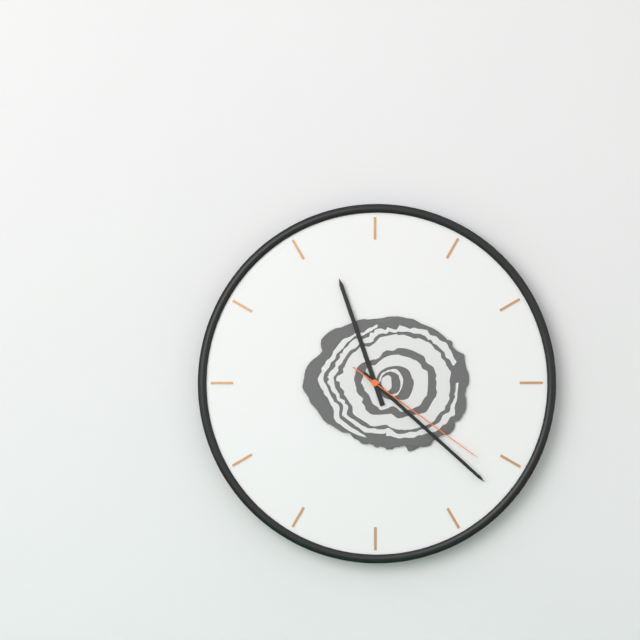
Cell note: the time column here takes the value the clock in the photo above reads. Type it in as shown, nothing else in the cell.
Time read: 11:22:21
